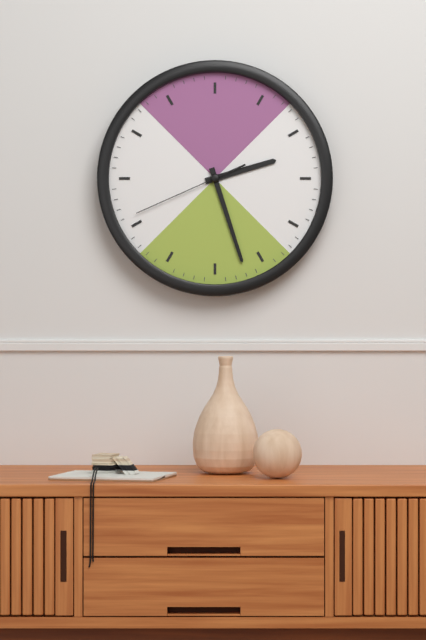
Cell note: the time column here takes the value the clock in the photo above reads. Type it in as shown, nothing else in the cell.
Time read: 2:27:41
